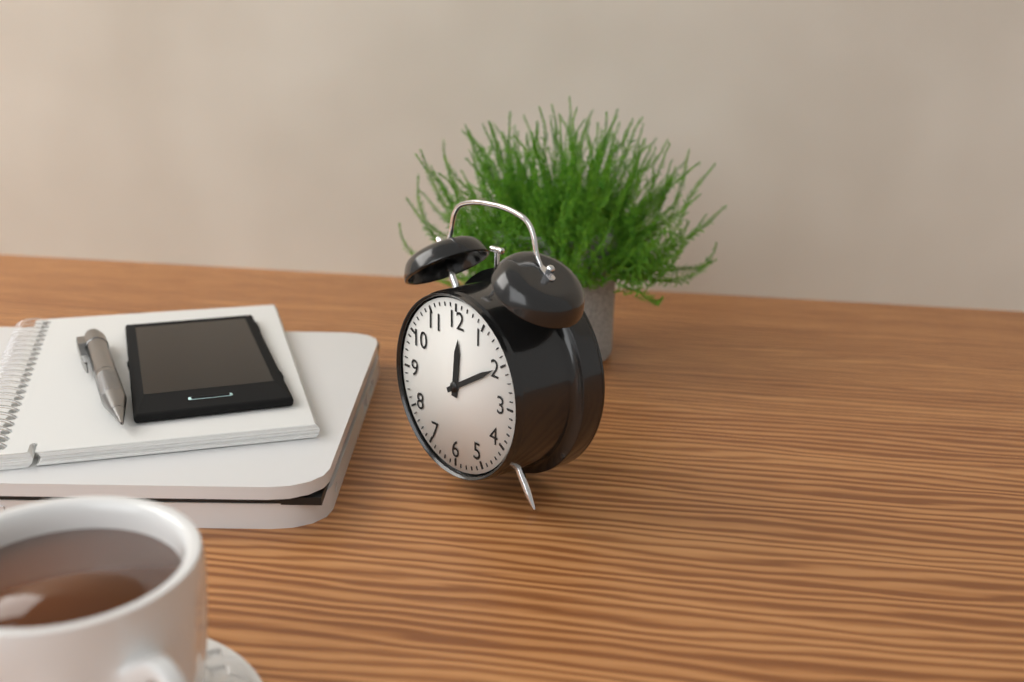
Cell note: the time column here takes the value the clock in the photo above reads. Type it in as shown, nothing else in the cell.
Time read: 12:10
